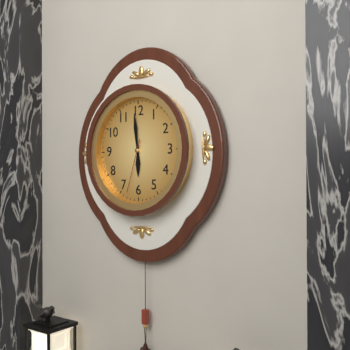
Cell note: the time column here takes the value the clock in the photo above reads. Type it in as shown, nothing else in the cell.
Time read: 5:59:33
